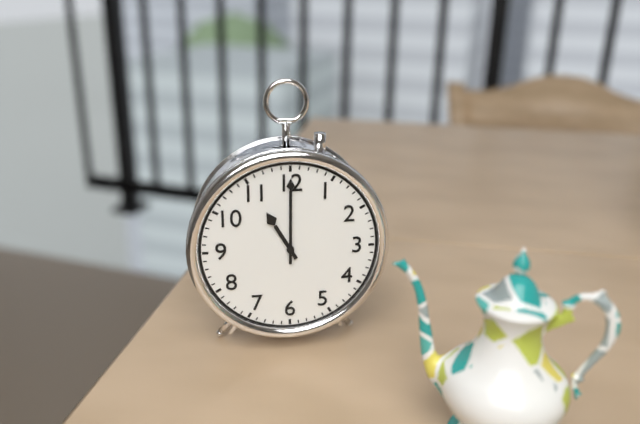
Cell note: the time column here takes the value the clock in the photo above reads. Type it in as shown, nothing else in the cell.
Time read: 11:00
